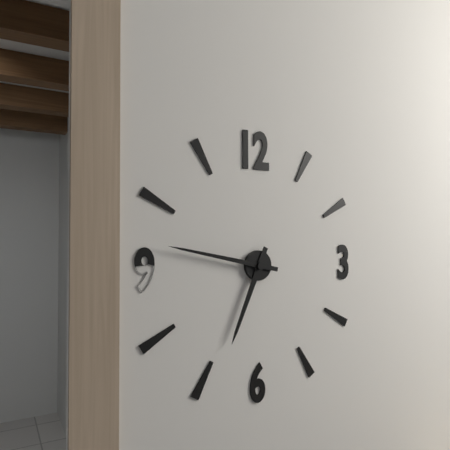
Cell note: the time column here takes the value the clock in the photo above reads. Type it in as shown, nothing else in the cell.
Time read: 6:47
